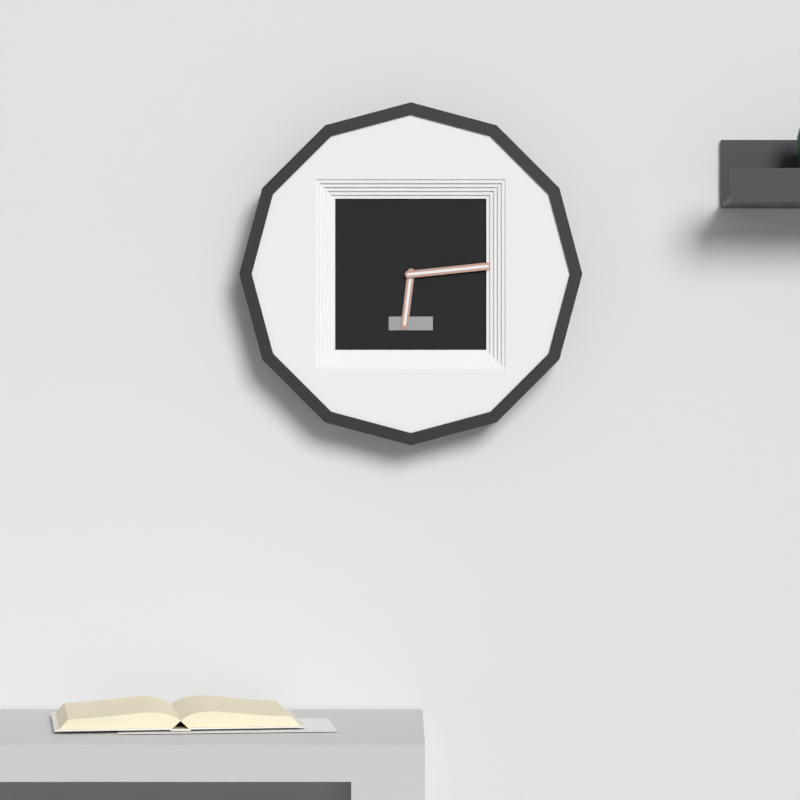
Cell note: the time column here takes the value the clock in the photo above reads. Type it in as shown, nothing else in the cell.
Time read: 6:14
